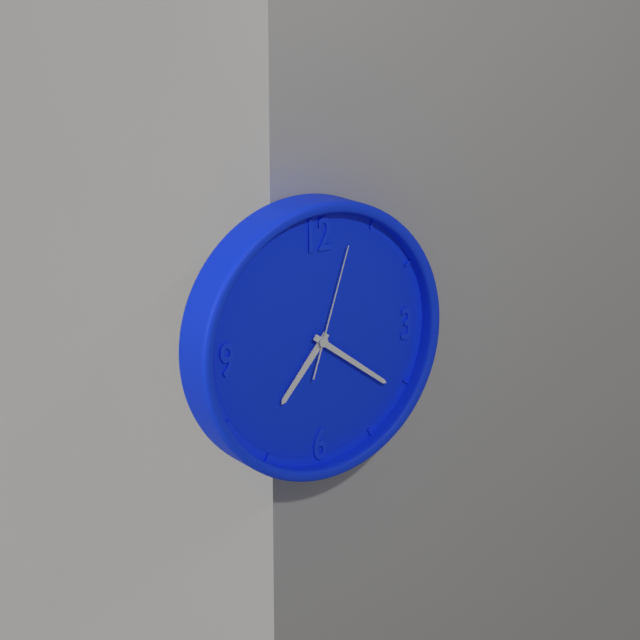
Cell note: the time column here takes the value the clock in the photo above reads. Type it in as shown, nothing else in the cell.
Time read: 7:21:03
